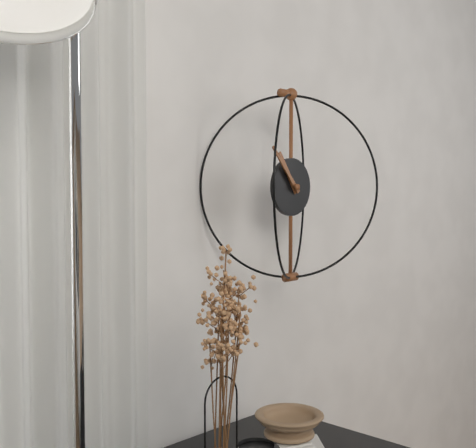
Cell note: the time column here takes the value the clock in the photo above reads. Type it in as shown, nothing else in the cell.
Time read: 10:53
